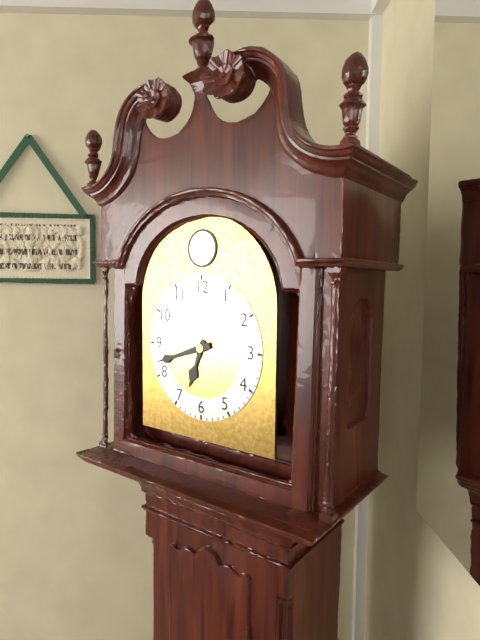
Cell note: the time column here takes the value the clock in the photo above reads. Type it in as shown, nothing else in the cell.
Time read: 6:42
